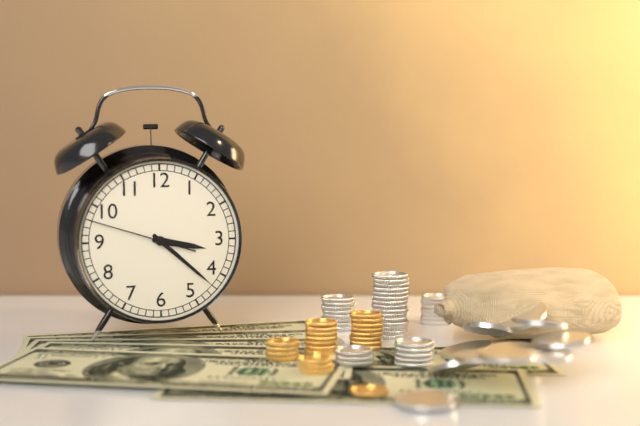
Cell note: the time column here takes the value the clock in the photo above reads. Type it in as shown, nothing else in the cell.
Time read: 3:22:48
